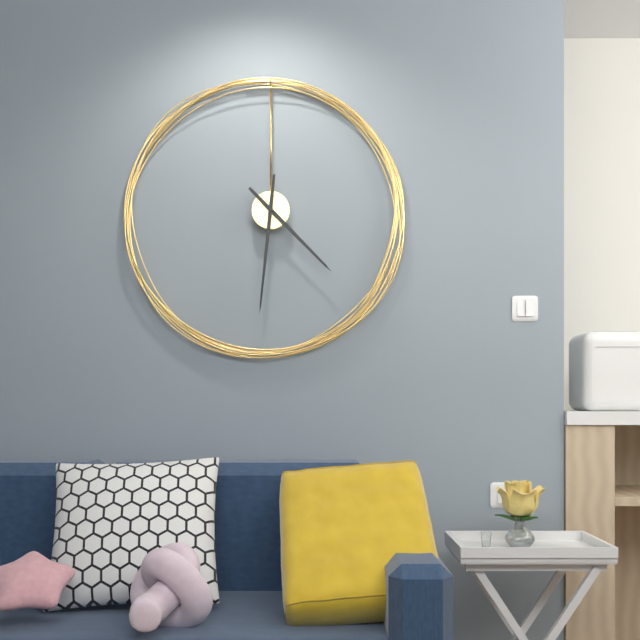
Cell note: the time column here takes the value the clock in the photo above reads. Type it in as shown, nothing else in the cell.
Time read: 4:31
